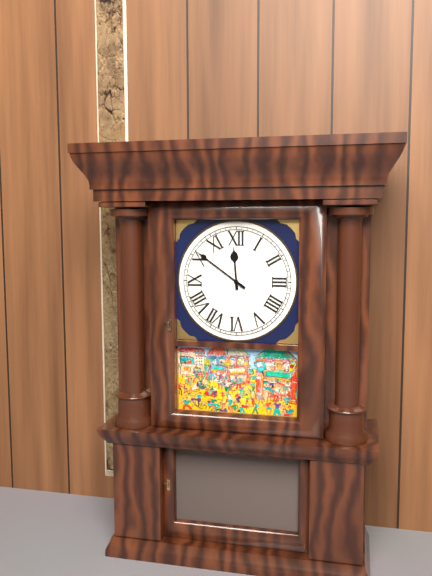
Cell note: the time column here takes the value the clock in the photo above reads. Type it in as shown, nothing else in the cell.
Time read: 11:51
